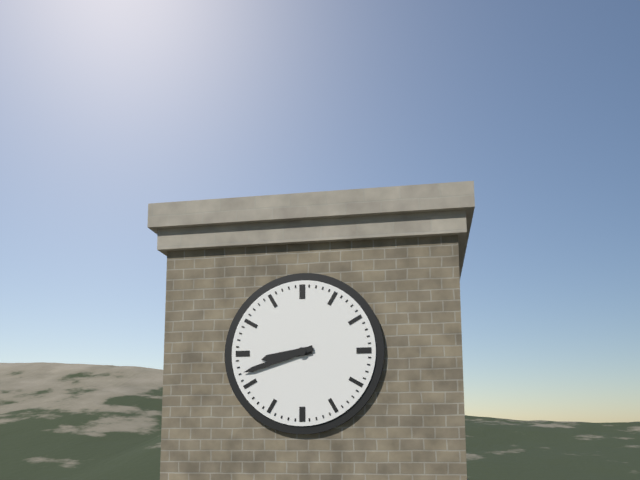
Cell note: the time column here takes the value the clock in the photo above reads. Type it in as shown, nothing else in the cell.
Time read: 8:42
